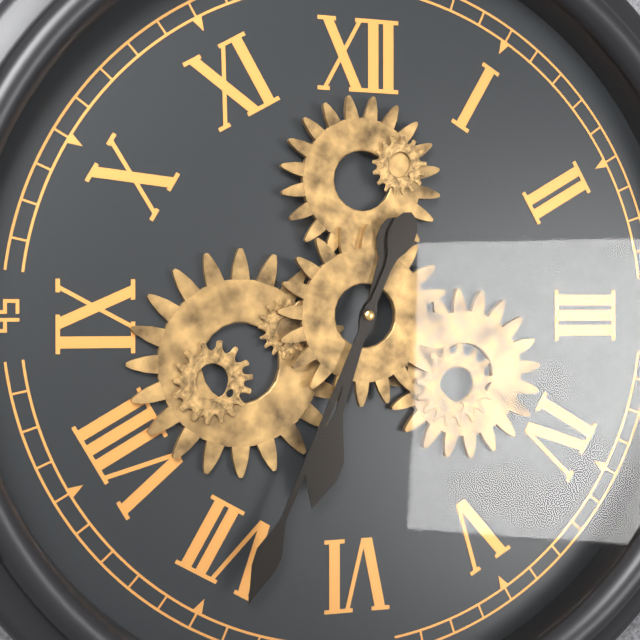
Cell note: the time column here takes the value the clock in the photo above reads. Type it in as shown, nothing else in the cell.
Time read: 6:34
